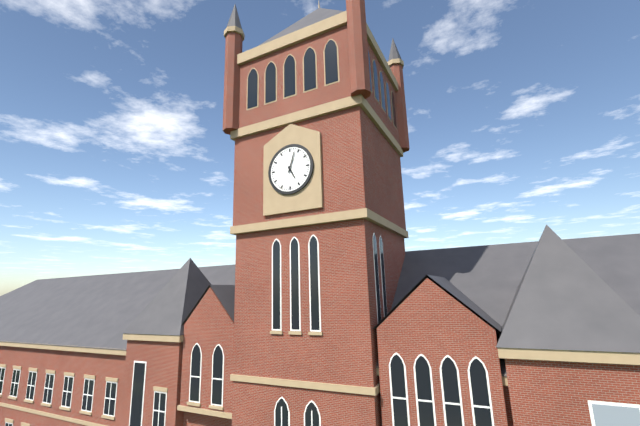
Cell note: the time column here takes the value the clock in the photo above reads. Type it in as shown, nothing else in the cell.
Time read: 5:03
